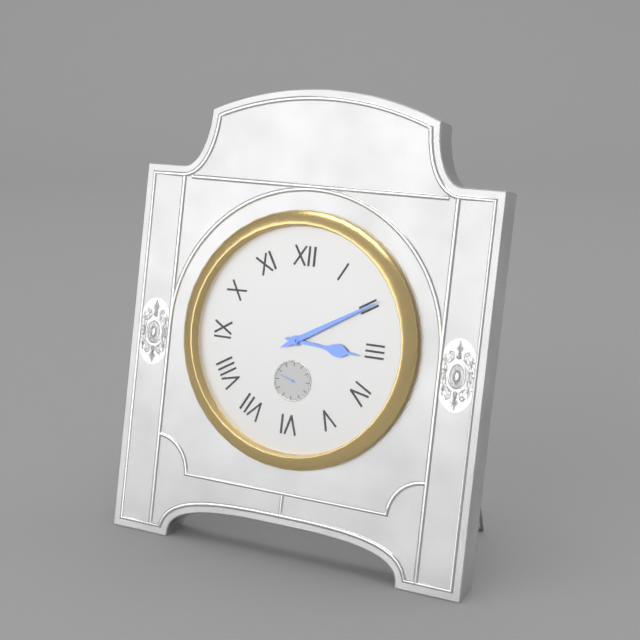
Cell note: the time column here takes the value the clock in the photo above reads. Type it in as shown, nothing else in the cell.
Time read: 3:10
